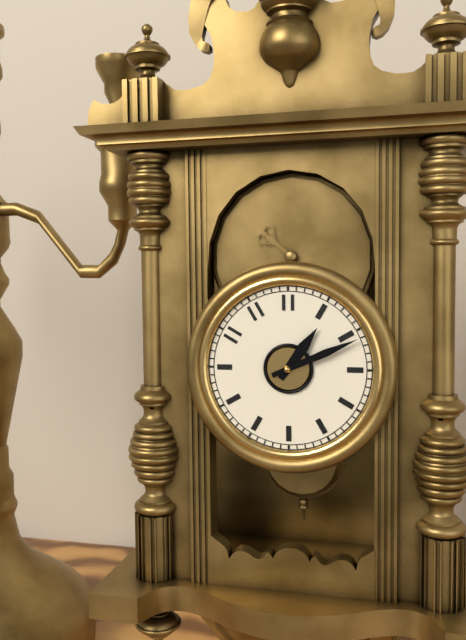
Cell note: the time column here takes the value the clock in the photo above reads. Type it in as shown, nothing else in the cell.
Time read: 1:11
